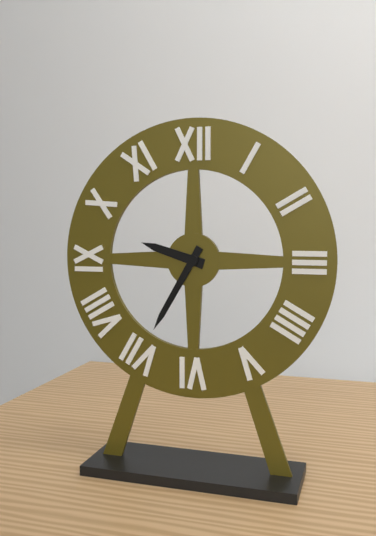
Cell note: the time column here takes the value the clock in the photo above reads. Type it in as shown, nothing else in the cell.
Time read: 9:35
